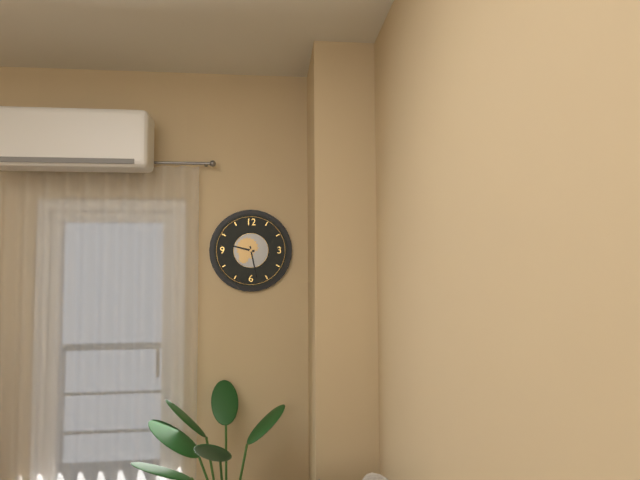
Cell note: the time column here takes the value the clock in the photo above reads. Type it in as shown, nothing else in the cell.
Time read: 9:28
